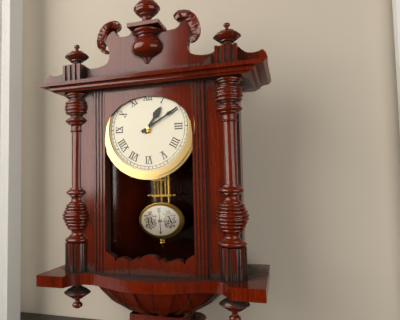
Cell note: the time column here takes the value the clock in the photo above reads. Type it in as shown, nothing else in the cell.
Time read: 1:10
